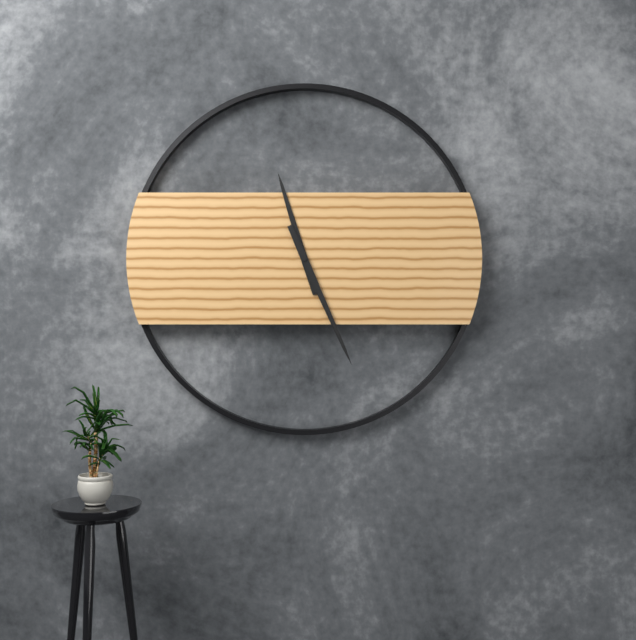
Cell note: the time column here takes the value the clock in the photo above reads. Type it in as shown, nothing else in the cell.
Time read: 11:26
